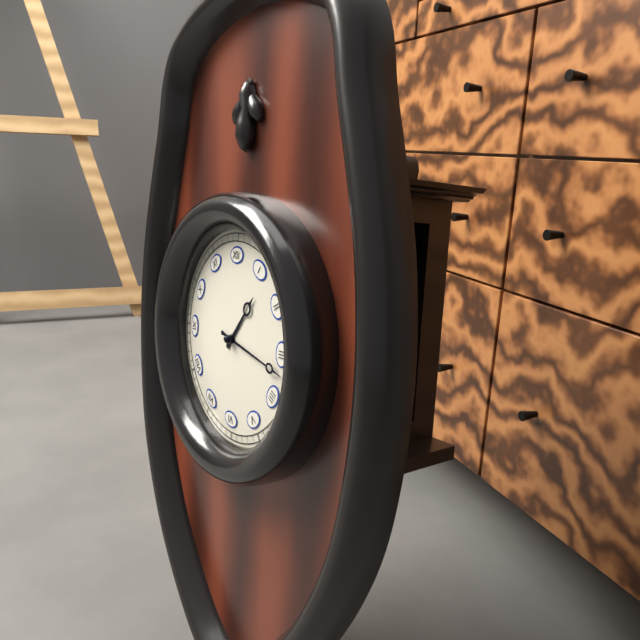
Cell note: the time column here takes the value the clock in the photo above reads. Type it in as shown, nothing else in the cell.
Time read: 1:17
